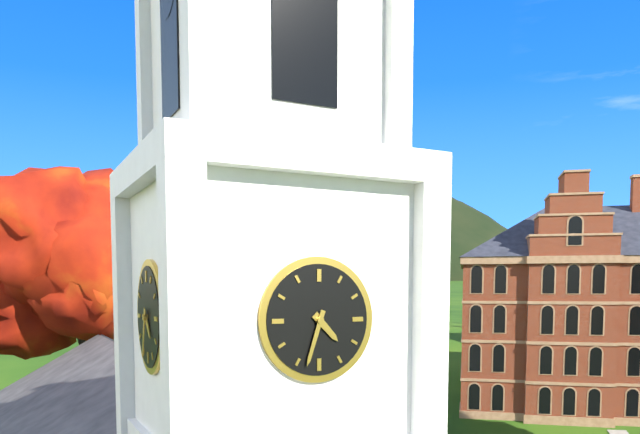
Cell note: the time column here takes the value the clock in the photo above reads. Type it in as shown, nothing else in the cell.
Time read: 4:33
